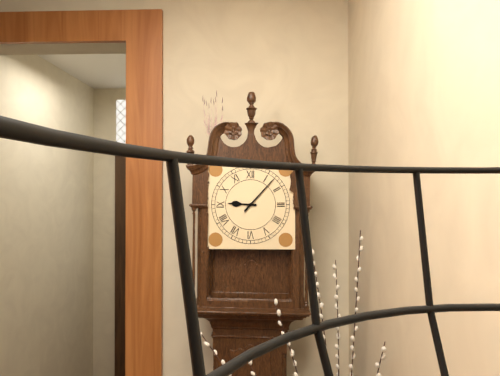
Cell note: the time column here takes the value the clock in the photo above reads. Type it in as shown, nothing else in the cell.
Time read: 9:07
